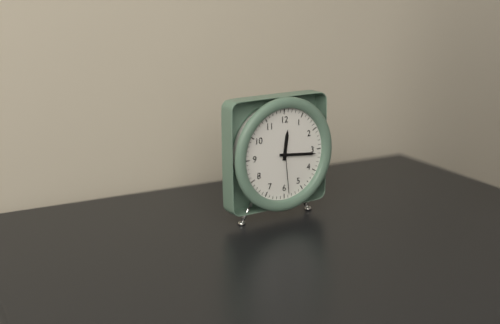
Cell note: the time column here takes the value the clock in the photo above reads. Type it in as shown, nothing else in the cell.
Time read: 12:16:29
